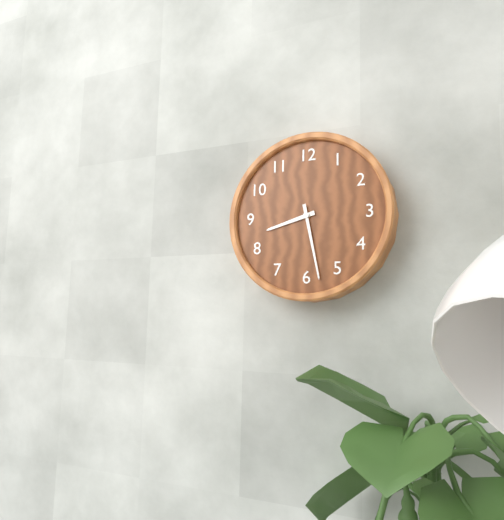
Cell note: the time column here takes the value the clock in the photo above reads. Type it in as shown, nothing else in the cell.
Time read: 8:28
